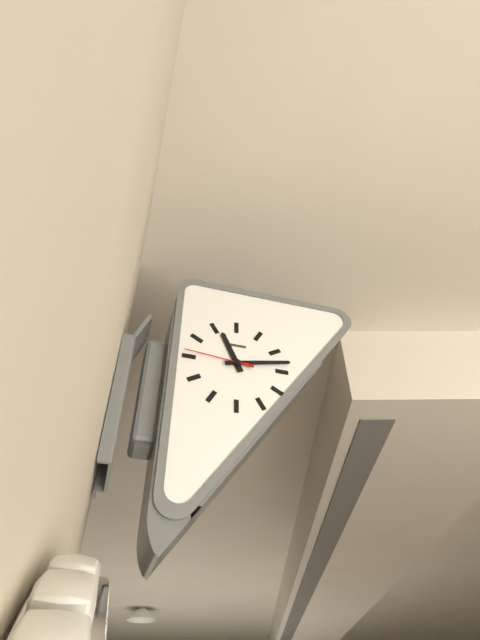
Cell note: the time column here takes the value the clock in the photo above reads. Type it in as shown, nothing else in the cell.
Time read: 11:13:46
